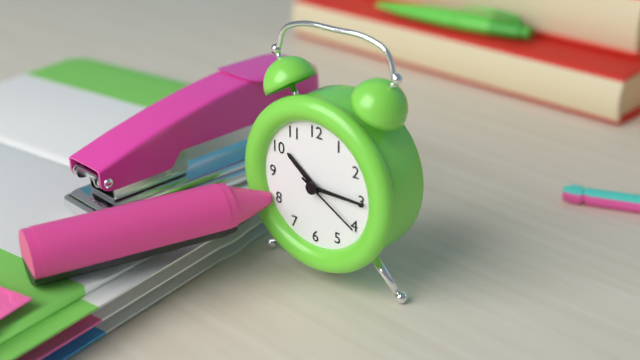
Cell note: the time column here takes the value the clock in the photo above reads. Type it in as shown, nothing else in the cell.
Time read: 10:15:20
